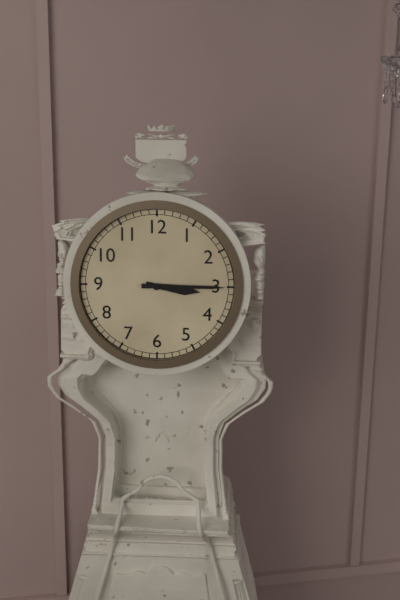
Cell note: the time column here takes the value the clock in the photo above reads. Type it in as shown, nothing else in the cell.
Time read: 3:15
